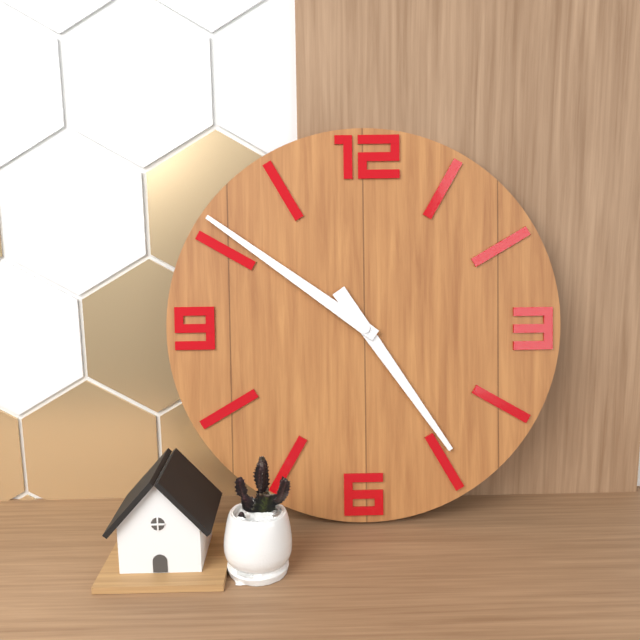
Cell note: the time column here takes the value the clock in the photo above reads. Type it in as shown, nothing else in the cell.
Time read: 4:51
